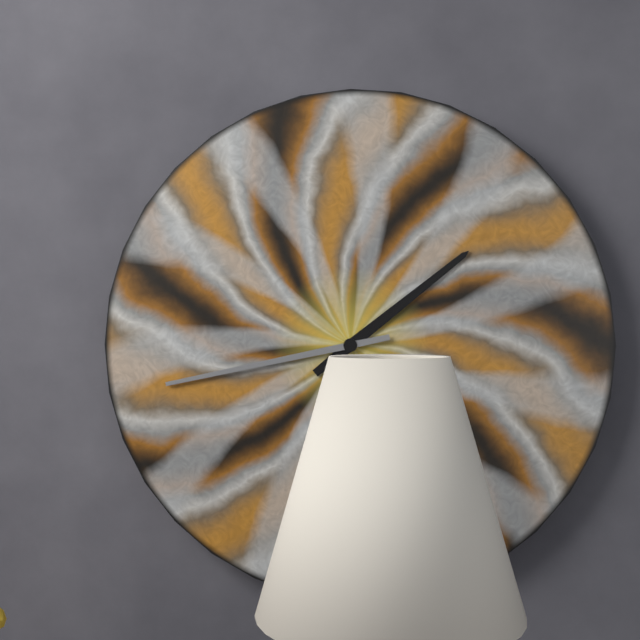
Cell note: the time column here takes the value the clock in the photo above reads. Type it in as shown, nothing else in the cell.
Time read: 1:43
